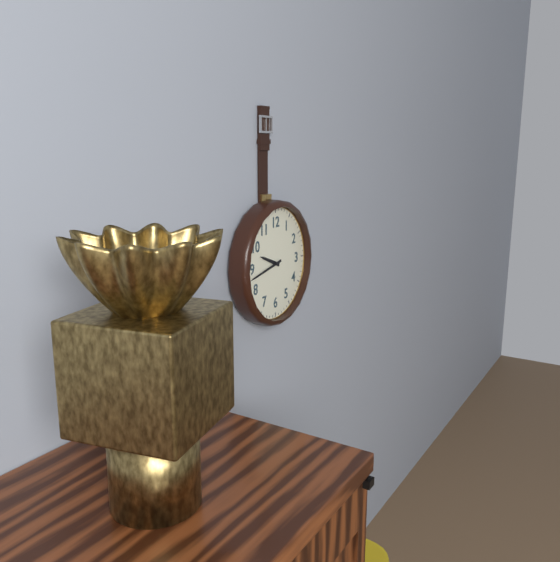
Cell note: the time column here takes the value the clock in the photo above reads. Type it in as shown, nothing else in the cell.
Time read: 9:43
